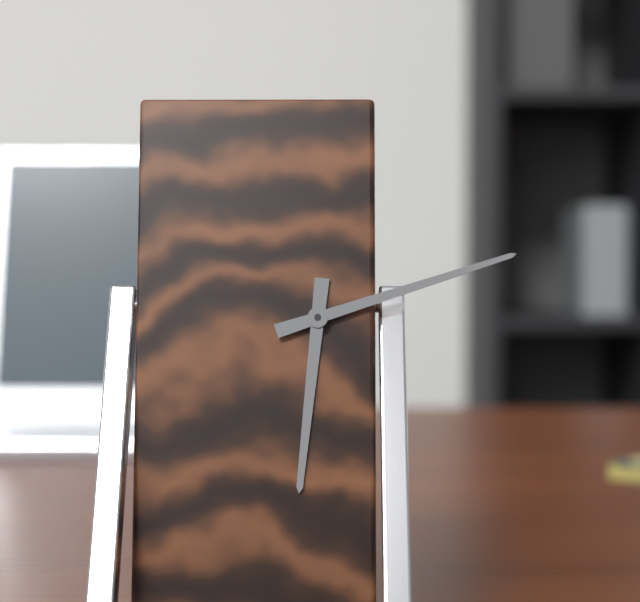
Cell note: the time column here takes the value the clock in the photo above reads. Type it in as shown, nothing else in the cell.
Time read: 6:12
